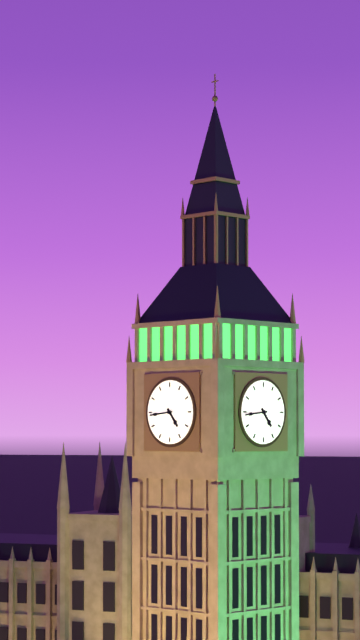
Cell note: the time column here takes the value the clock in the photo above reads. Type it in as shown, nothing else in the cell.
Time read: 4:44
